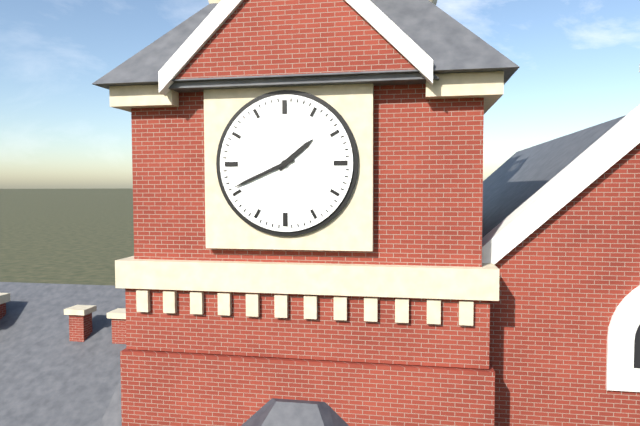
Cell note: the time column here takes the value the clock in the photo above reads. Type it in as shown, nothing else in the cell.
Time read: 1:41
